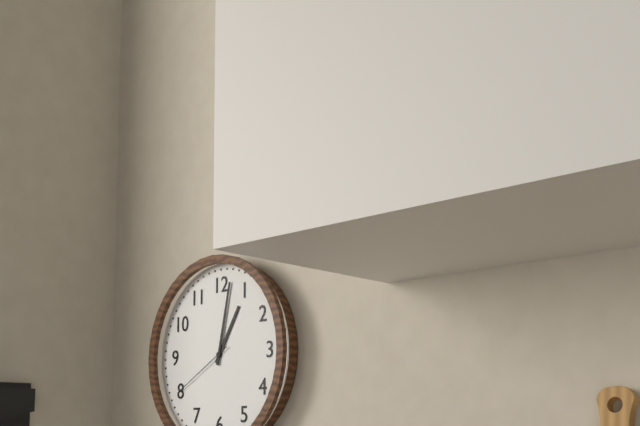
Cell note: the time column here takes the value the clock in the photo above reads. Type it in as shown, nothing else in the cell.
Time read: 1:02:40
